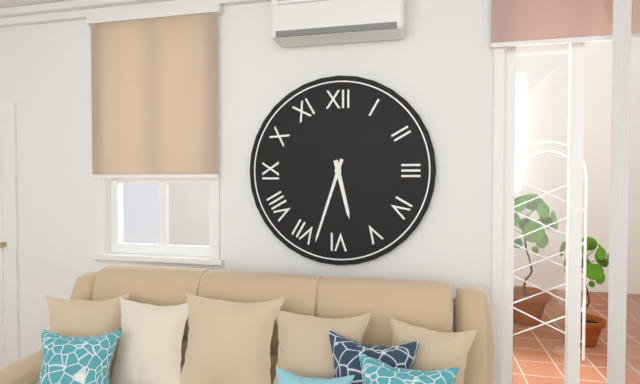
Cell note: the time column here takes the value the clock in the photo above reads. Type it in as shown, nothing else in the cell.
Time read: 5:33
